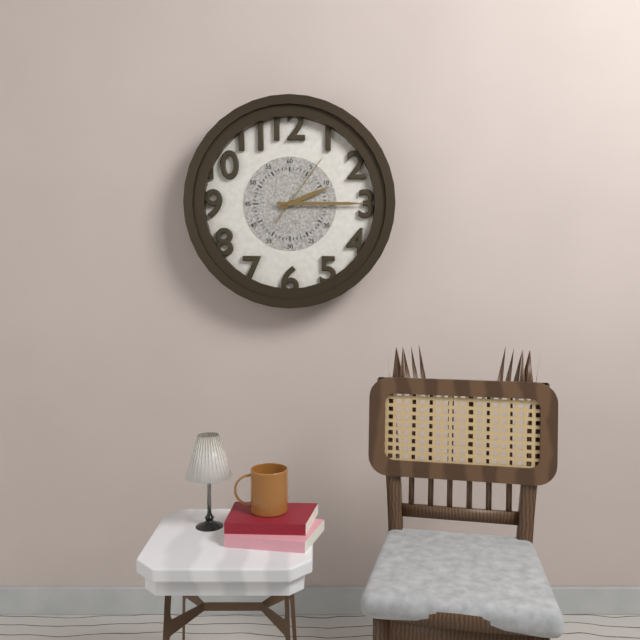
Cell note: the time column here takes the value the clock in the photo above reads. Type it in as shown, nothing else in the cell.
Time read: 2:15:06
